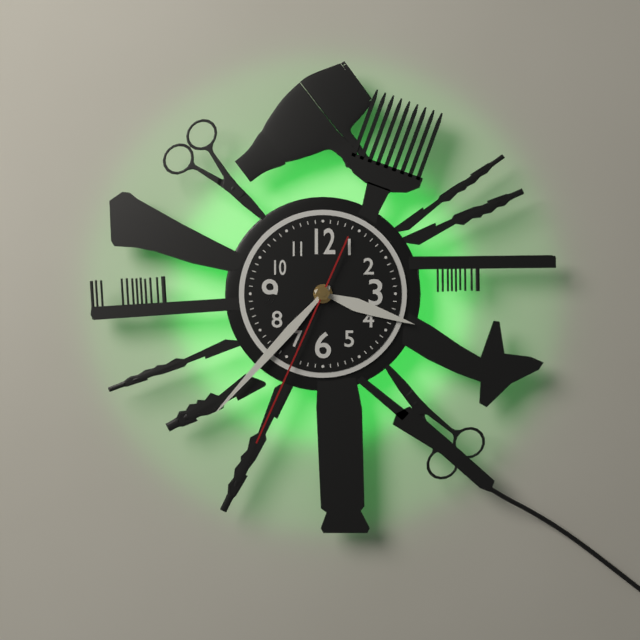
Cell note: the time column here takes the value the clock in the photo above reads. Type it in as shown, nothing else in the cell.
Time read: 3:37:34
